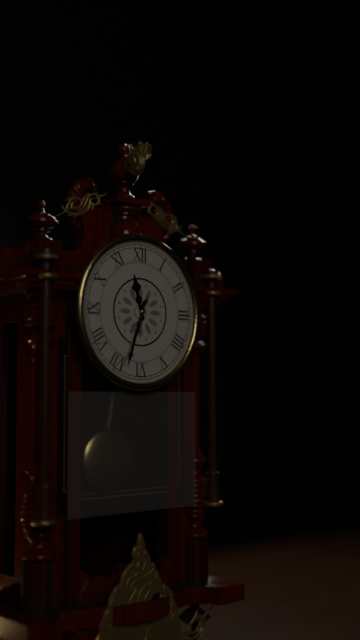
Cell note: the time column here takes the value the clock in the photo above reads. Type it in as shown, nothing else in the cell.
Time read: 11:33:34
